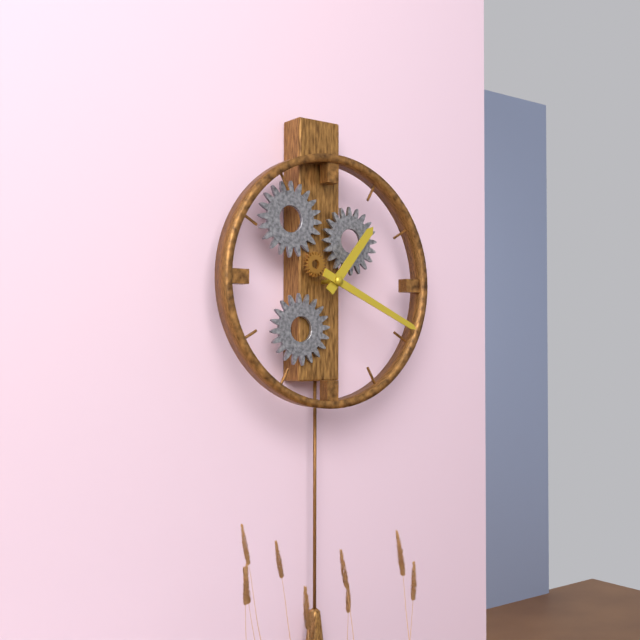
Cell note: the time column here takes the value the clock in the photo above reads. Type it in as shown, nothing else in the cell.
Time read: 1:19
